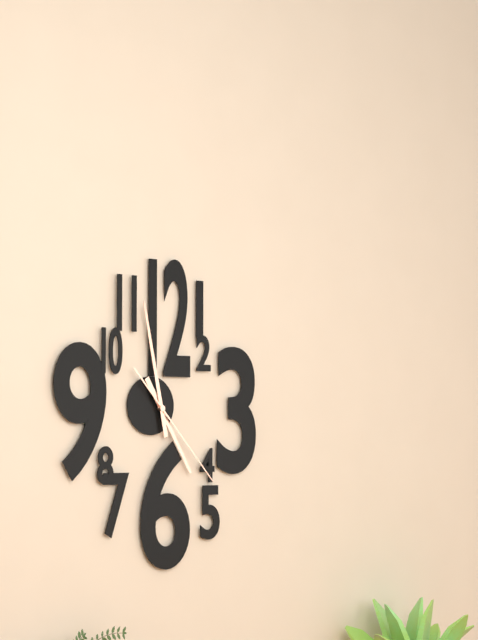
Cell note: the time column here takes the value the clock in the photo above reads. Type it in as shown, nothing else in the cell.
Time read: 4:58:23
